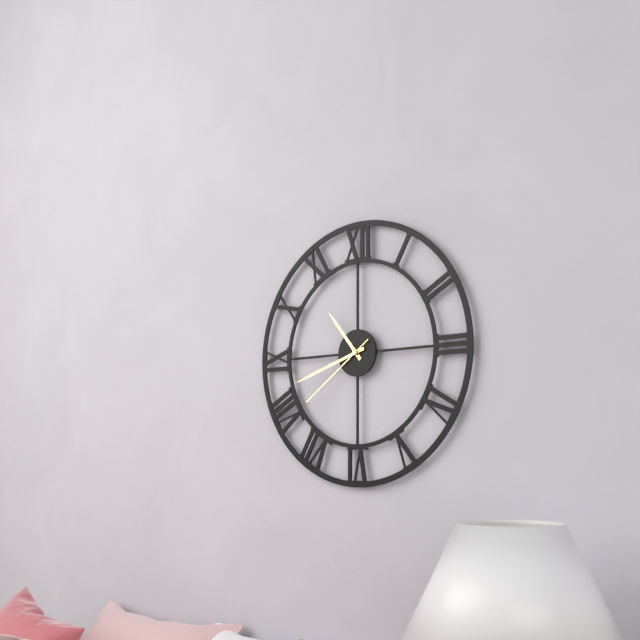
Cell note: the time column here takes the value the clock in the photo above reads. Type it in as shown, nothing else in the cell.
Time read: 10:42:39
